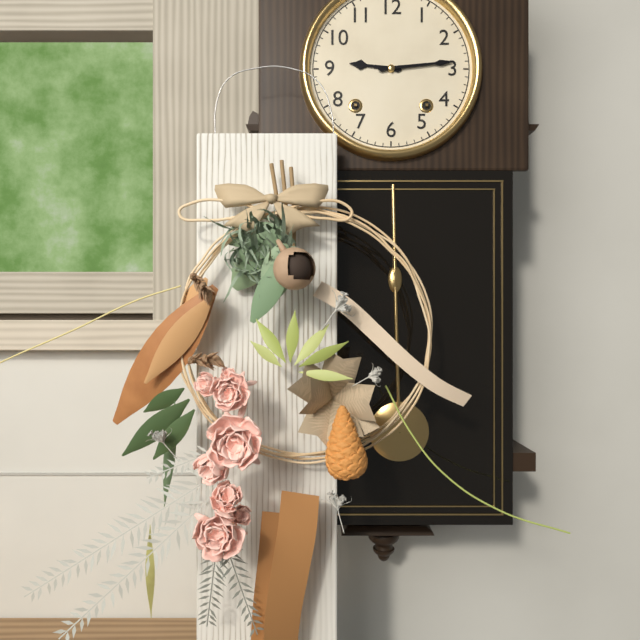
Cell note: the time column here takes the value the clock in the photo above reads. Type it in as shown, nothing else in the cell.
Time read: 9:14
